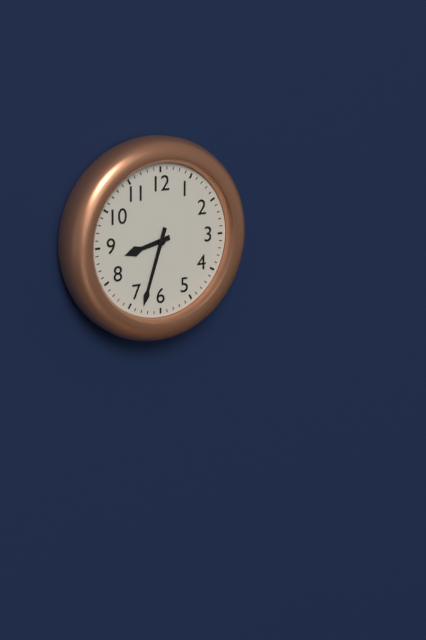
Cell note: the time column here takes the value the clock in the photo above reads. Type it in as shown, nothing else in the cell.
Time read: 8:33
